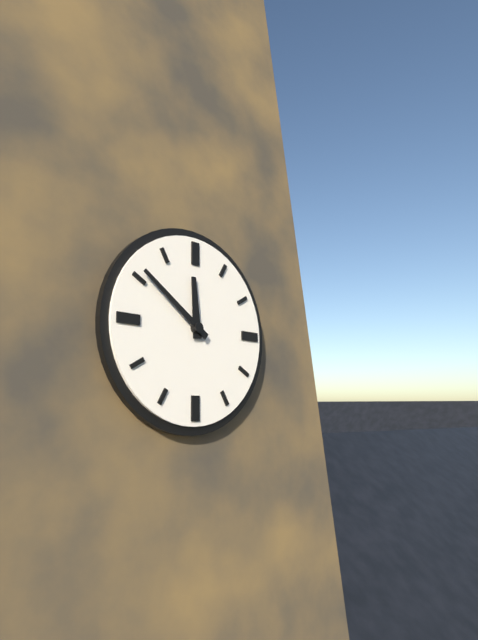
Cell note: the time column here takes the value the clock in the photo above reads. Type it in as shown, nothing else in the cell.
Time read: 11:51
